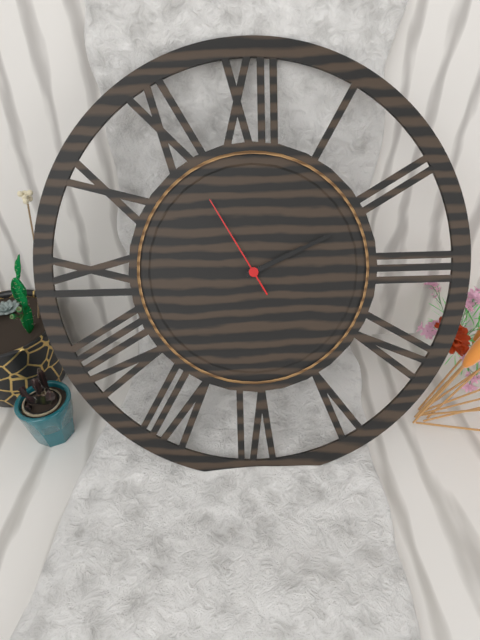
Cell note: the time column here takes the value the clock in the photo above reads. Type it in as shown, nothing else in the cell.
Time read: 2:11:55
